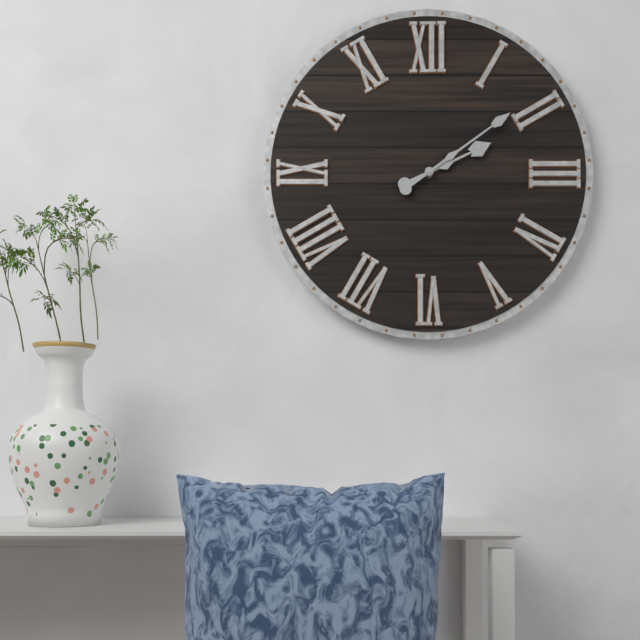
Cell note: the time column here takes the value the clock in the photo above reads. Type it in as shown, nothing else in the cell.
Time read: 2:09
